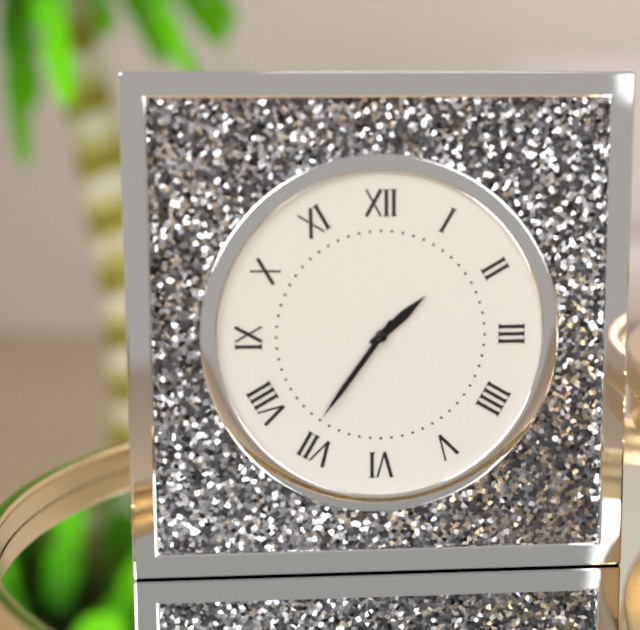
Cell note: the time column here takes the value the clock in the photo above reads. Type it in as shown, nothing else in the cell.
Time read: 1:36
